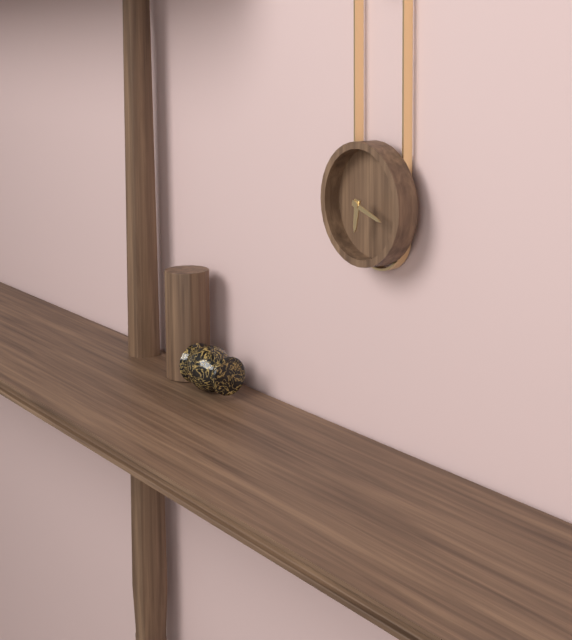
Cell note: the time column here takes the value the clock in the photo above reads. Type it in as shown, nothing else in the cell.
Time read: 6:18
